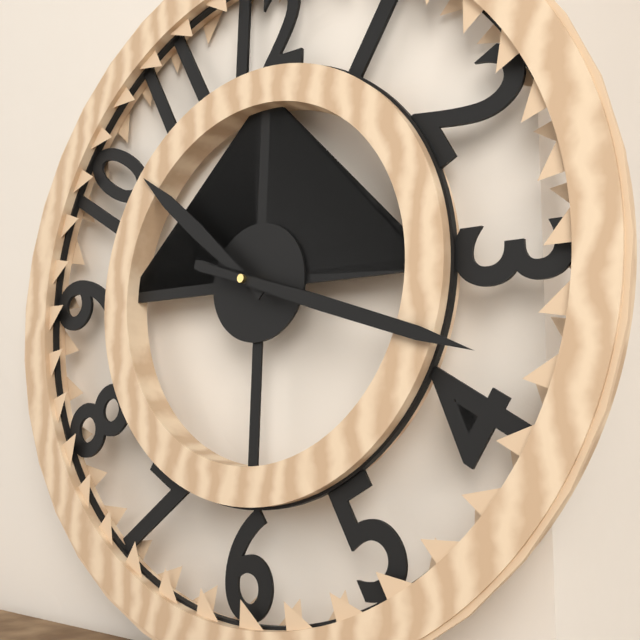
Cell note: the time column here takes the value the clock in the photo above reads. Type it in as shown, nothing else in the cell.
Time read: 10:18
